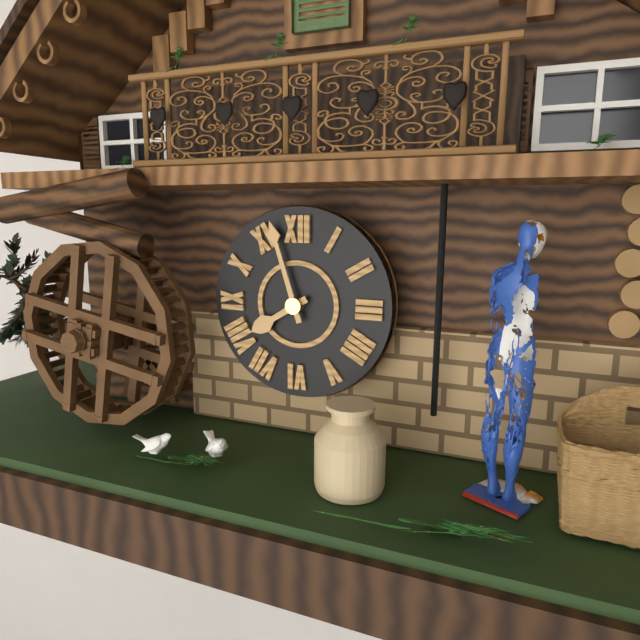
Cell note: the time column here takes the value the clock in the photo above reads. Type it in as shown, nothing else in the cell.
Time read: 7:57
